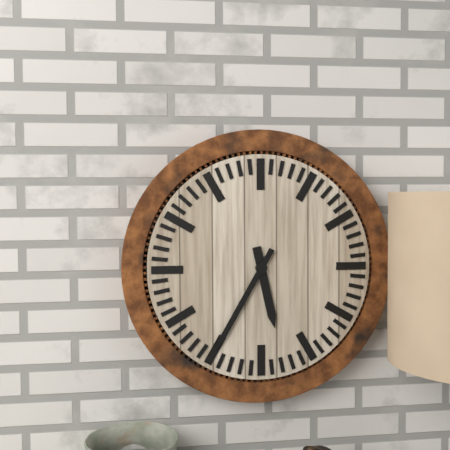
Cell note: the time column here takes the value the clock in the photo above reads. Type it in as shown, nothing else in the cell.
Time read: 5:35
